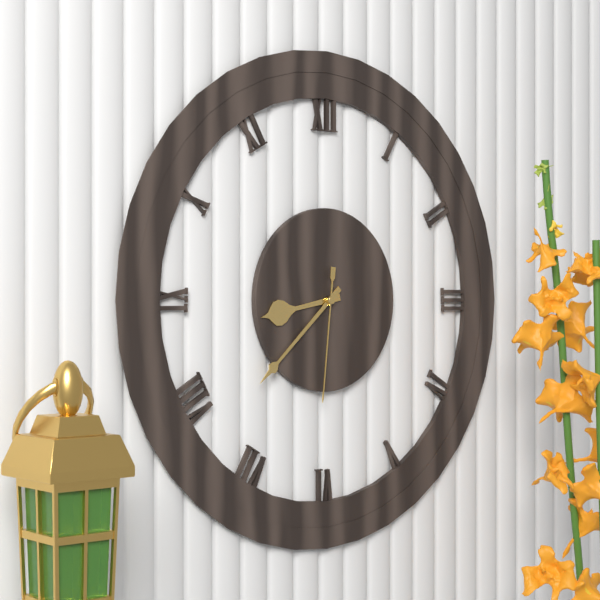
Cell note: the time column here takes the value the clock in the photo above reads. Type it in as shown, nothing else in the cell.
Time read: 8:38:31
